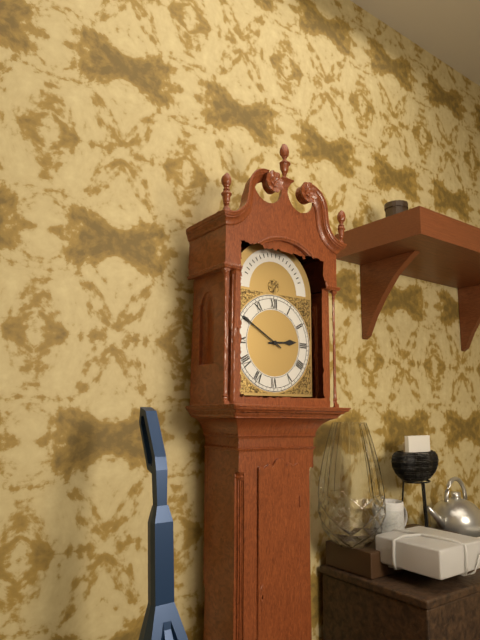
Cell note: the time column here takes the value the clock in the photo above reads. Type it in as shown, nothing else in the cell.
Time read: 2:50
